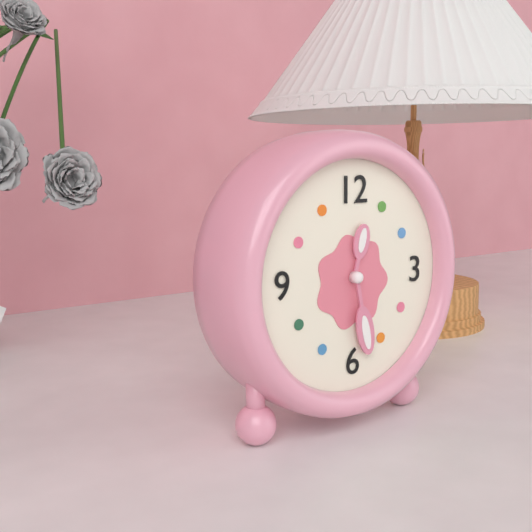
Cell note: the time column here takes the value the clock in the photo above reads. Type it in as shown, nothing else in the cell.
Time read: 12:28
